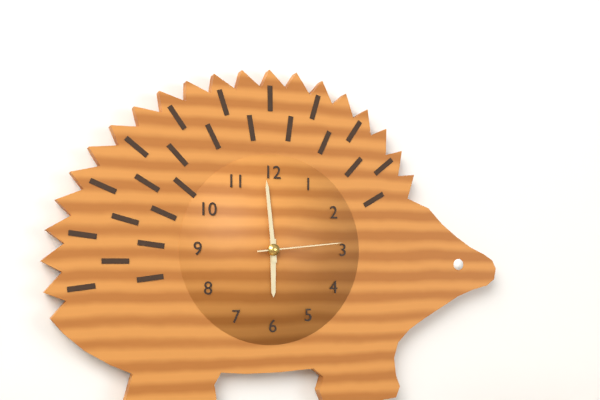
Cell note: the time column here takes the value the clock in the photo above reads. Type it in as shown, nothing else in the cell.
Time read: 5:59:14
